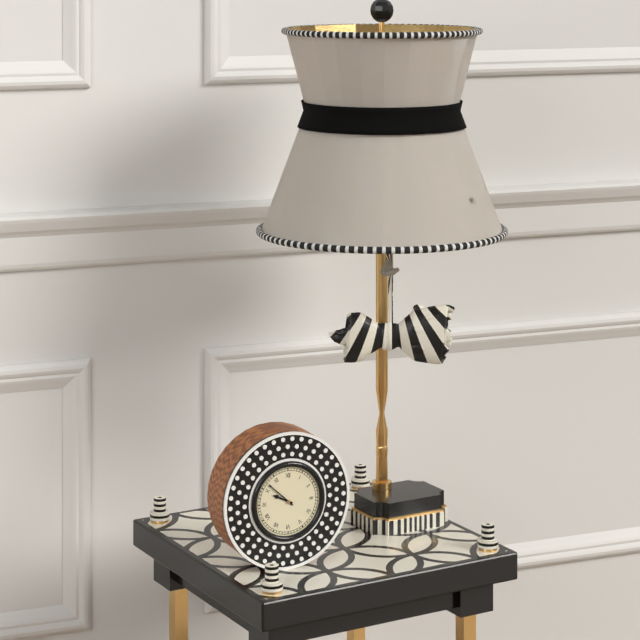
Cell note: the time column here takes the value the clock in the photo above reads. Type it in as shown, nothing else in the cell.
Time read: 9:52
